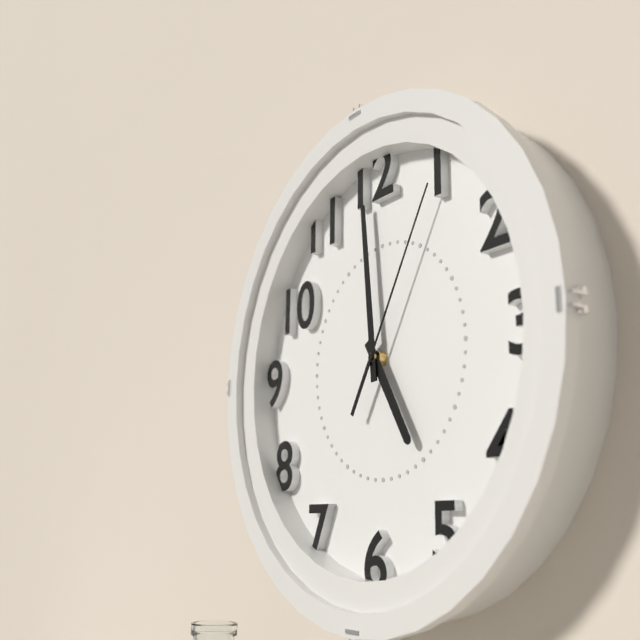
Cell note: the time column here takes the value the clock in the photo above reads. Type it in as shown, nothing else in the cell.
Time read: 4:59:05
